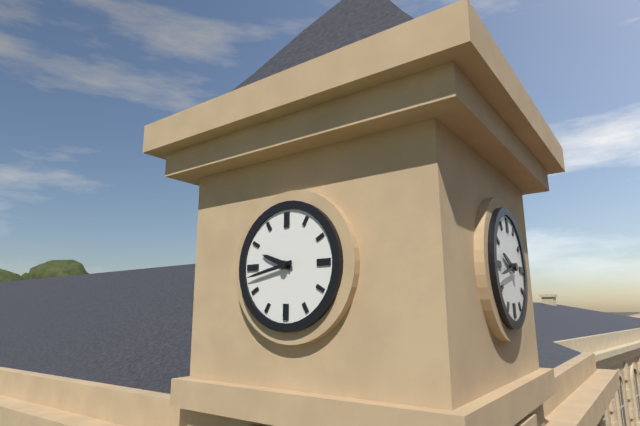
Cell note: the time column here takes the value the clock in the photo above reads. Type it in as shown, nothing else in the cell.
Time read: 9:43
